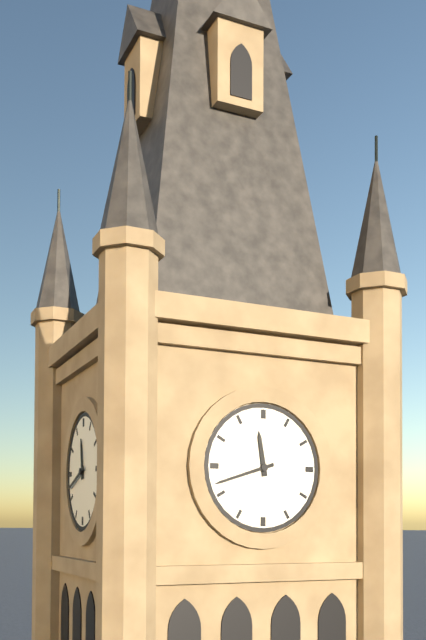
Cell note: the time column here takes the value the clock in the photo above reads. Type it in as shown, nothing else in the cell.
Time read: 11:42
